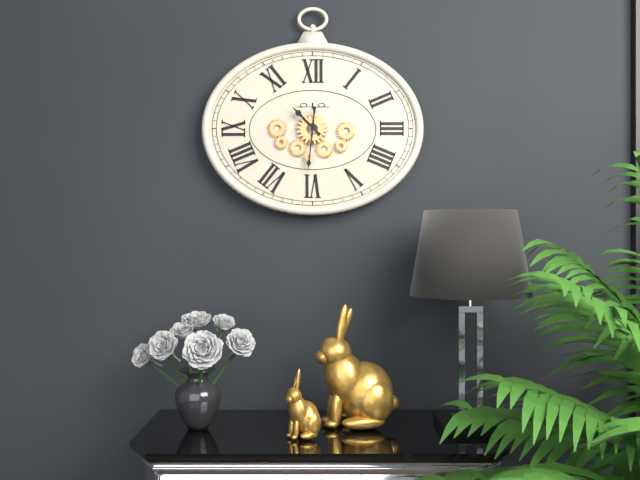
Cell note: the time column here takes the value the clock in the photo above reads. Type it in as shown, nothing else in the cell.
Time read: 10:31
